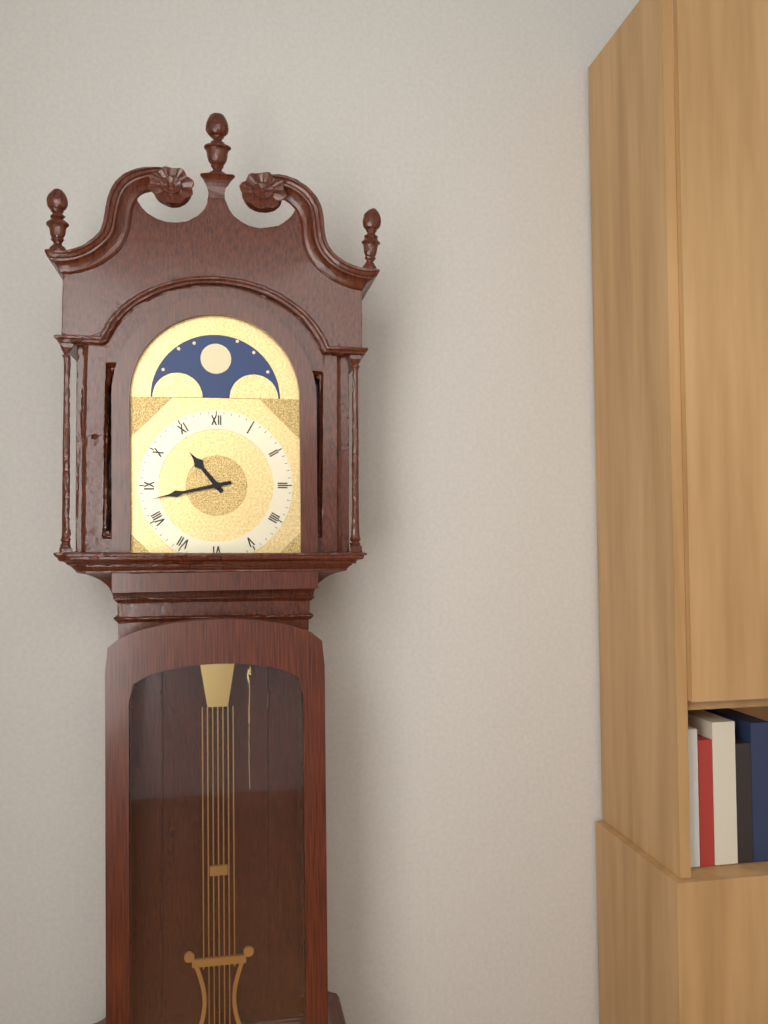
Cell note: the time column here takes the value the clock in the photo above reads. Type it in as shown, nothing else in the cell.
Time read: 10:43
